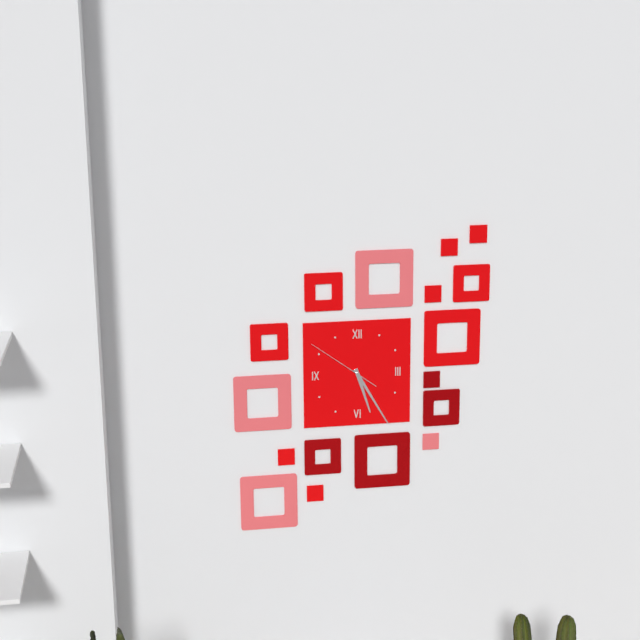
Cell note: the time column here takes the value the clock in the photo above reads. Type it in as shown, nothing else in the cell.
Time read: 5:25:51
